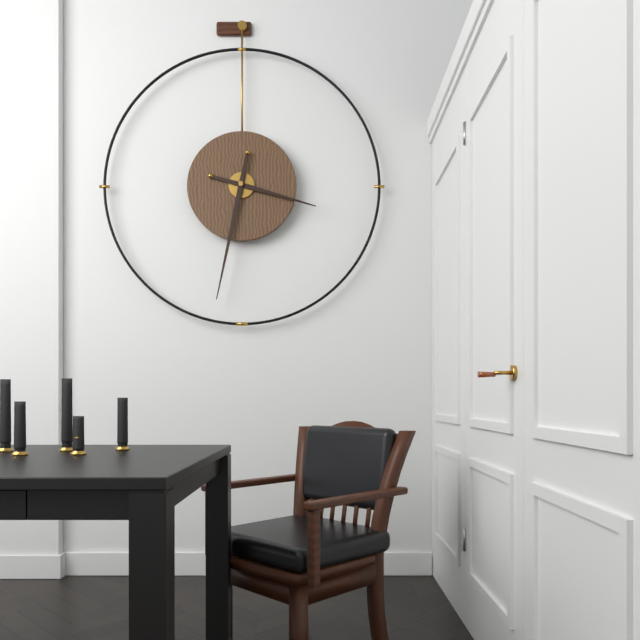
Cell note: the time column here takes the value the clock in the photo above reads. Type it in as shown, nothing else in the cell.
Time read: 3:32
